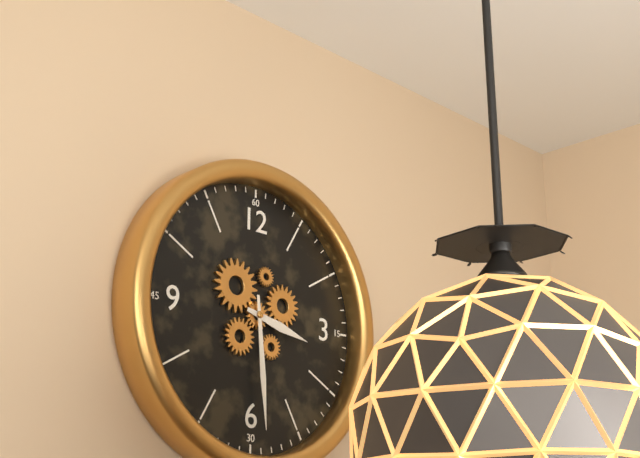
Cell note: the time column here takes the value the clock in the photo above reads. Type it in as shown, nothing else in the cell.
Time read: 3:29
